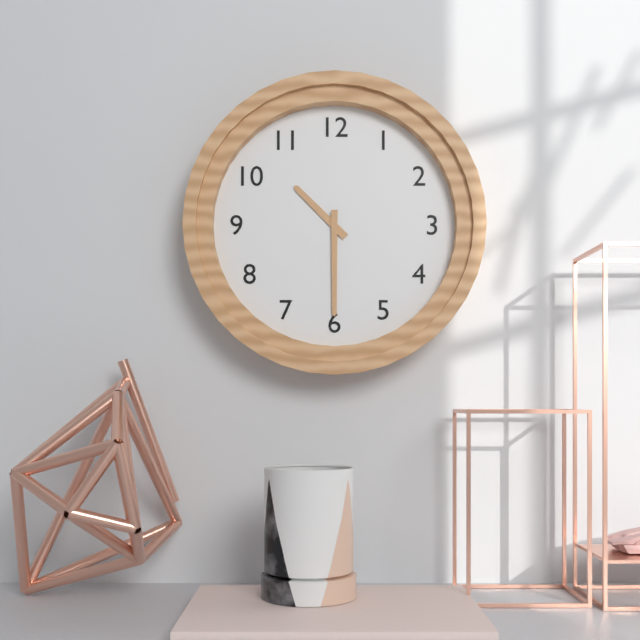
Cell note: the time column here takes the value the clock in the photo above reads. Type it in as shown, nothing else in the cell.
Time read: 10:30
